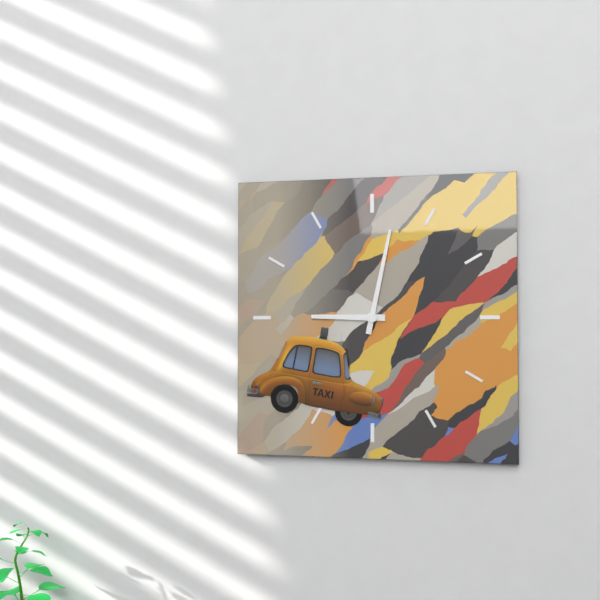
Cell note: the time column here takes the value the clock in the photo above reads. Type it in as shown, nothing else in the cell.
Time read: 9:02
